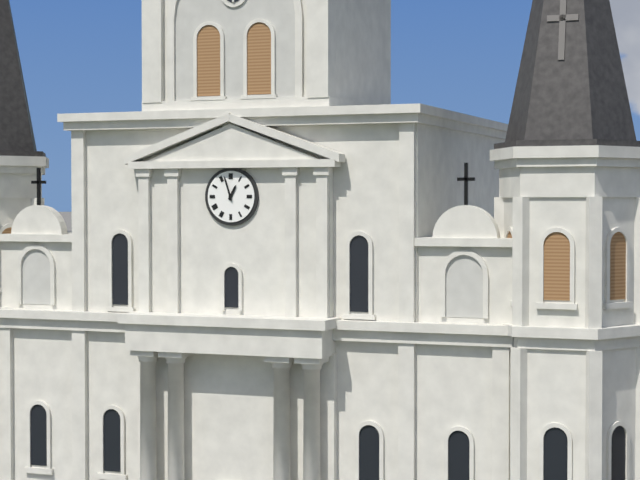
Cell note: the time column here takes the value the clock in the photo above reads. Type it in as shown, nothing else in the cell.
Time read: 12:57
